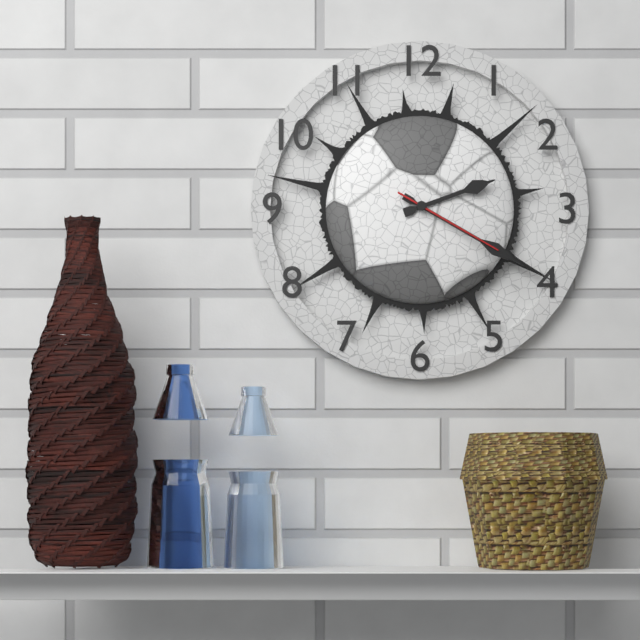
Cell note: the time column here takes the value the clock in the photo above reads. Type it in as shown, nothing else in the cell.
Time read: 2:20:20
